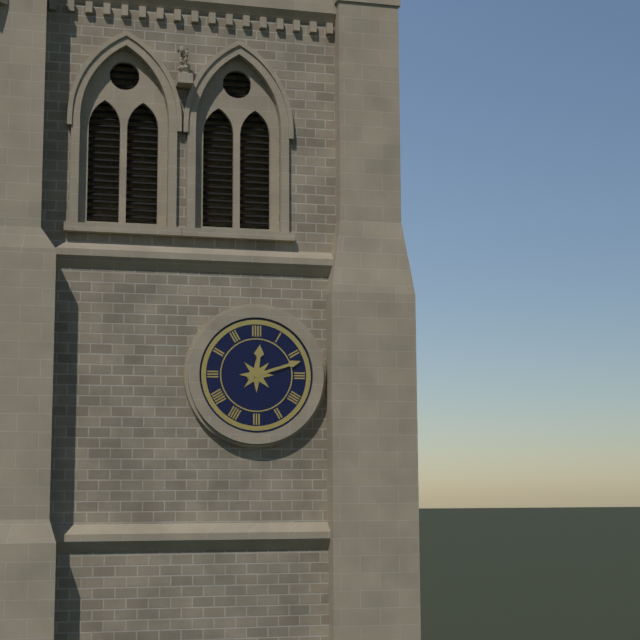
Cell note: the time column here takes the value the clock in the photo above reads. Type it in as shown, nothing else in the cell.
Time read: 12:12
